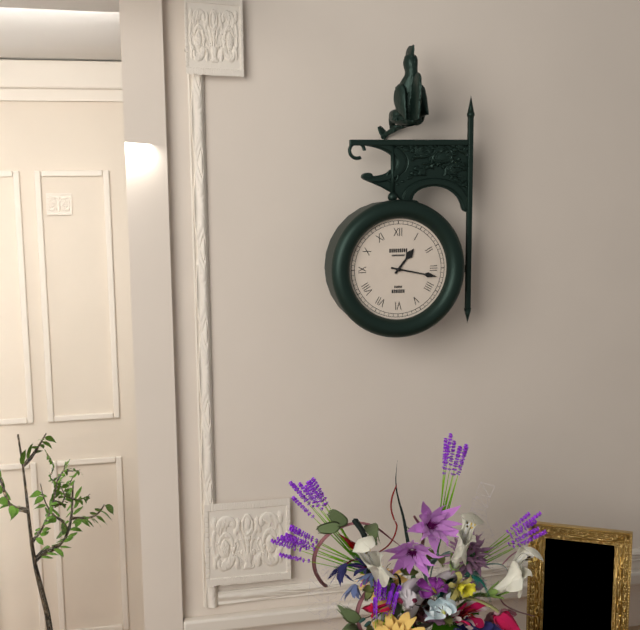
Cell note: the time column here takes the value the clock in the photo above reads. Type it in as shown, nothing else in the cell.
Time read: 1:17
